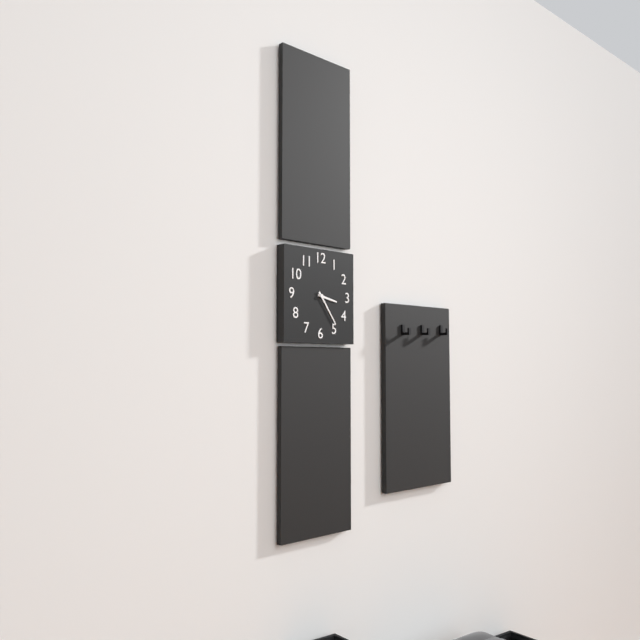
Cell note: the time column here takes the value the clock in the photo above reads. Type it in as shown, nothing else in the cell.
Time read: 3:24
